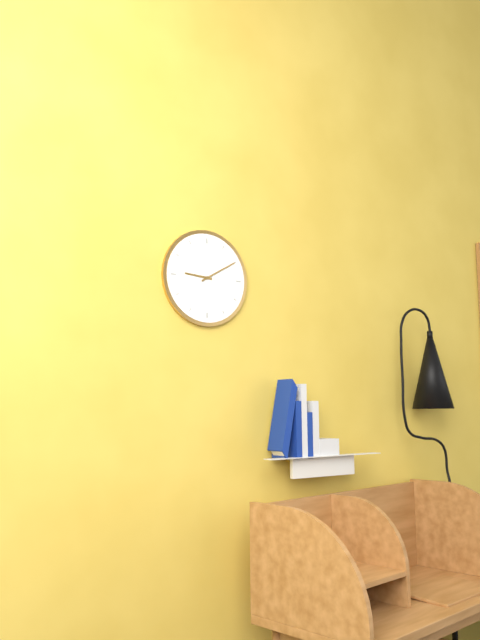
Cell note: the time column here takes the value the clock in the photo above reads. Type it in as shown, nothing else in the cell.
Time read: 9:10
